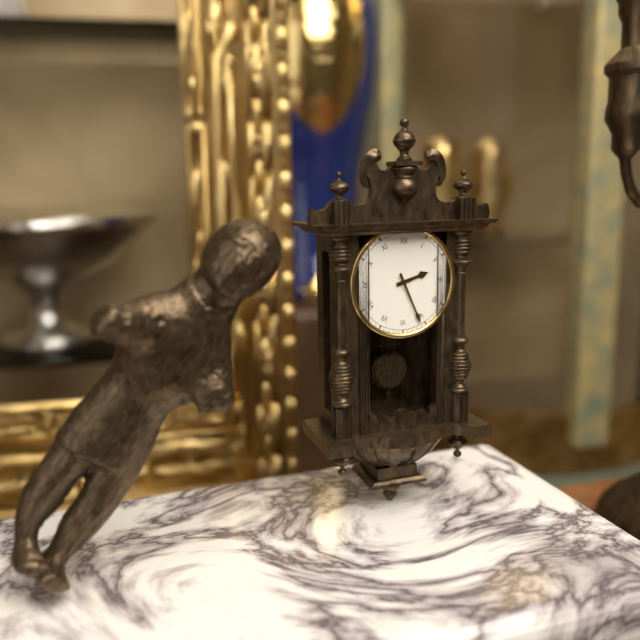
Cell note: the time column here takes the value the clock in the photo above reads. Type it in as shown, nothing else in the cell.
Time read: 2:26
